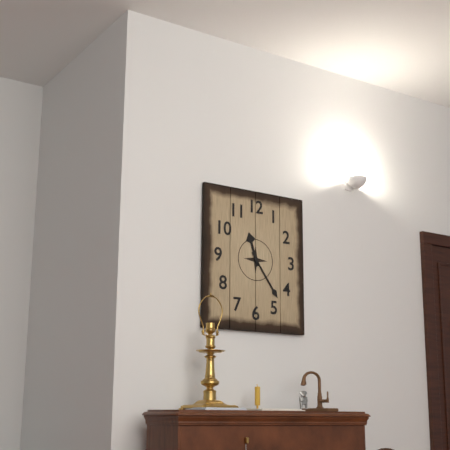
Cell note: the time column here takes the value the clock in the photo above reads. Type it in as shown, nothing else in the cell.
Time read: 11:24
